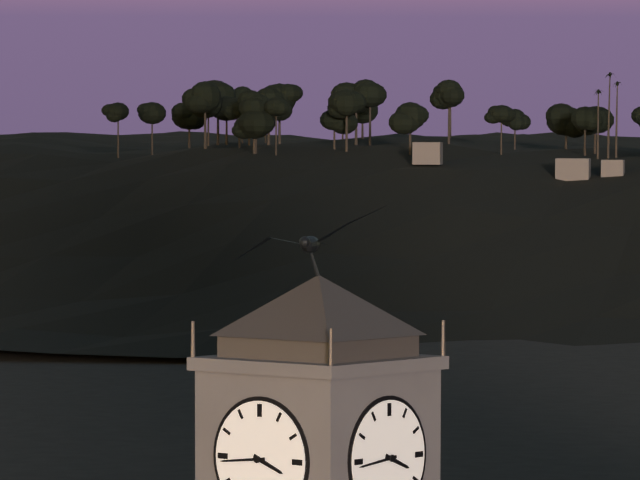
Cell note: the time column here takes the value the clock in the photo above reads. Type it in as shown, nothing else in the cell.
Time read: 3:44
